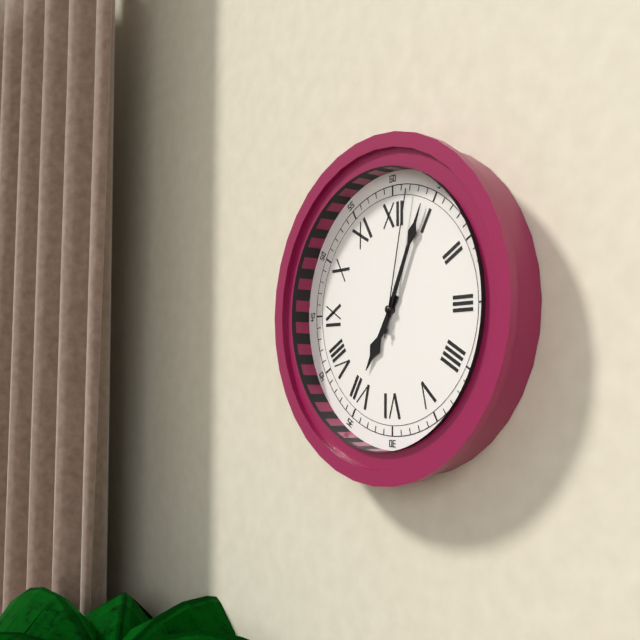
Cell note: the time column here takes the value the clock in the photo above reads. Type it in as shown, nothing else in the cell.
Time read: 7:04:02
